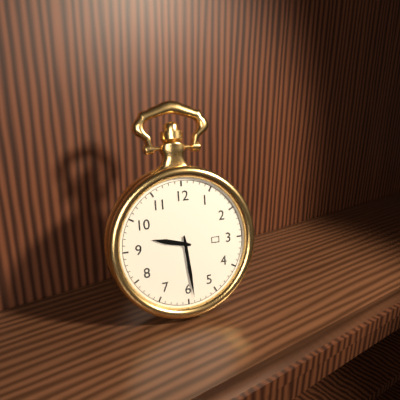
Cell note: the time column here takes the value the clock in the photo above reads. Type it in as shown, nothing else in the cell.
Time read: 9:29
